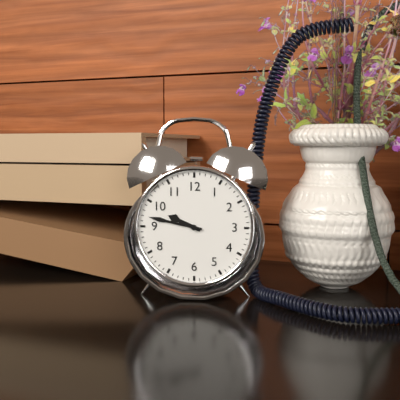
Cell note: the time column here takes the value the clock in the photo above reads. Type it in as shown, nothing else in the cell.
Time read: 9:47
